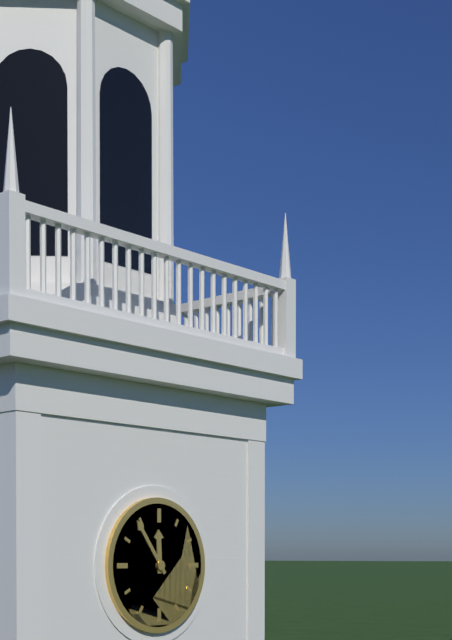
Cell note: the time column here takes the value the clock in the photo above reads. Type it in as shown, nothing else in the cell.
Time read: 11:54
